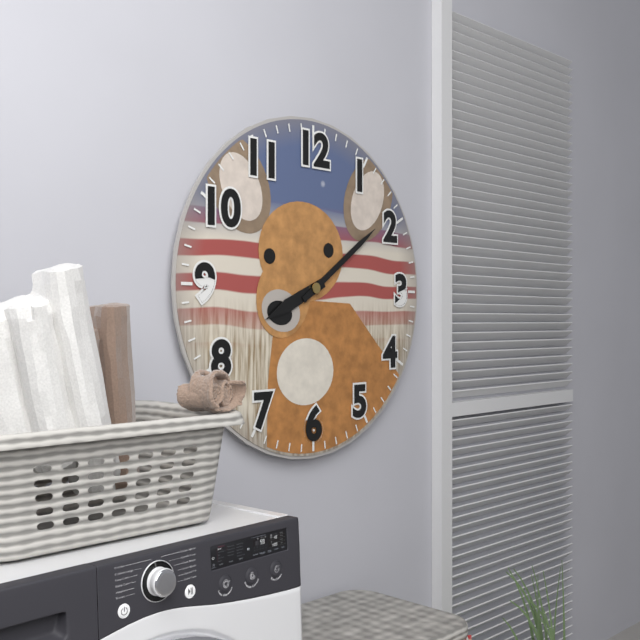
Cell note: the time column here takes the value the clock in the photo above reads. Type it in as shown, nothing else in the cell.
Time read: 8:09
